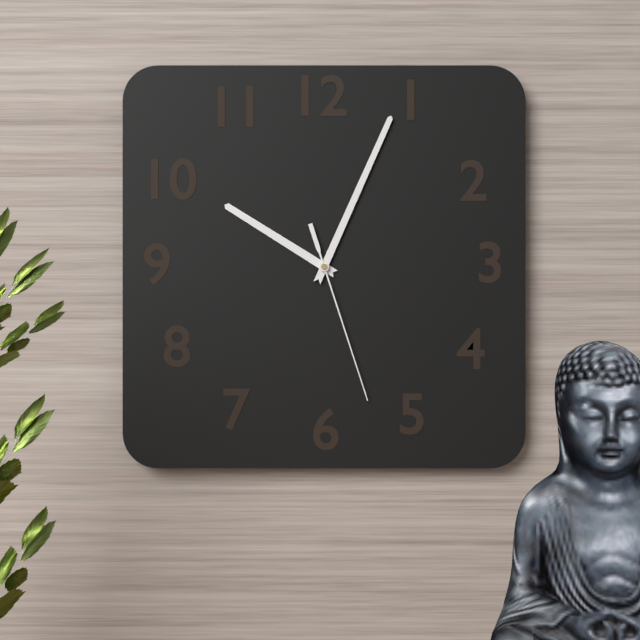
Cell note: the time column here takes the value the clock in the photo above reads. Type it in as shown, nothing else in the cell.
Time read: 10:04:27
